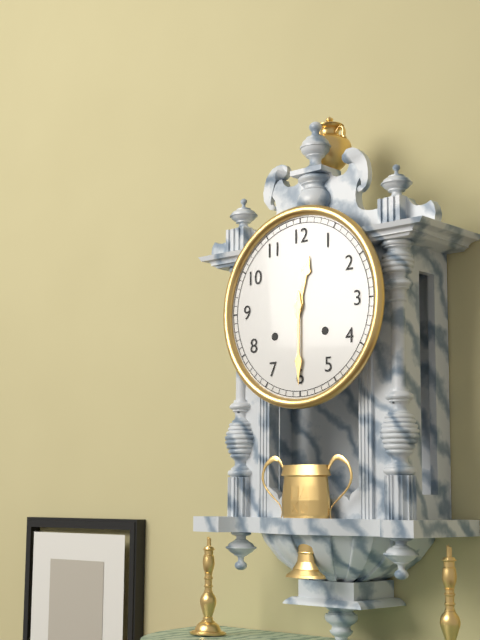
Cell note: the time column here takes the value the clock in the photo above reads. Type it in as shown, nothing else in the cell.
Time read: 12:30
